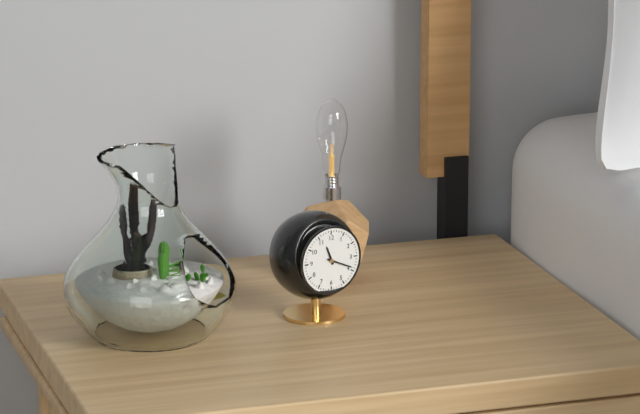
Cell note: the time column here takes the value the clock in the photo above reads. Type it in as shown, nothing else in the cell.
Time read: 11:19
